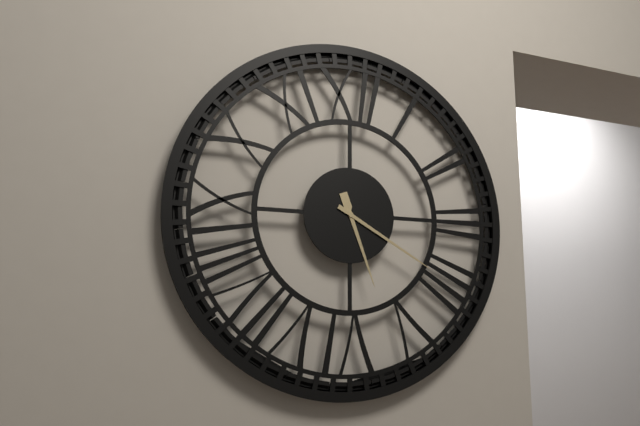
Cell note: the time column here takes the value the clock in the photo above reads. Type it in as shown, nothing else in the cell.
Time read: 5:20
